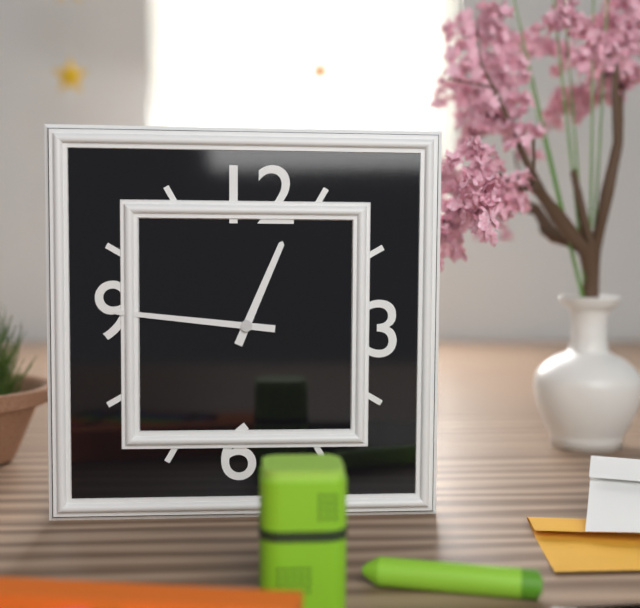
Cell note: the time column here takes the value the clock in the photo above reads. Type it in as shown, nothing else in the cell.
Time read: 12:46
